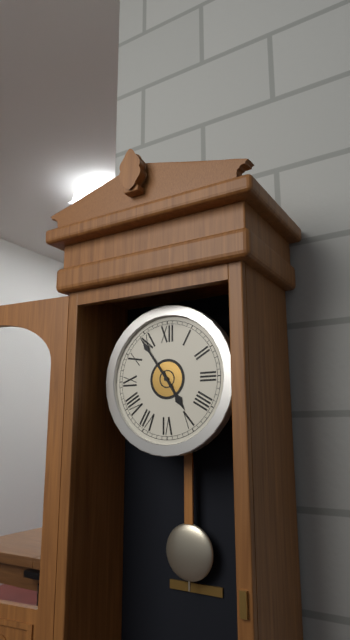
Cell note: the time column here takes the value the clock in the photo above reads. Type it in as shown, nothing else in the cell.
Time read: 4:54
